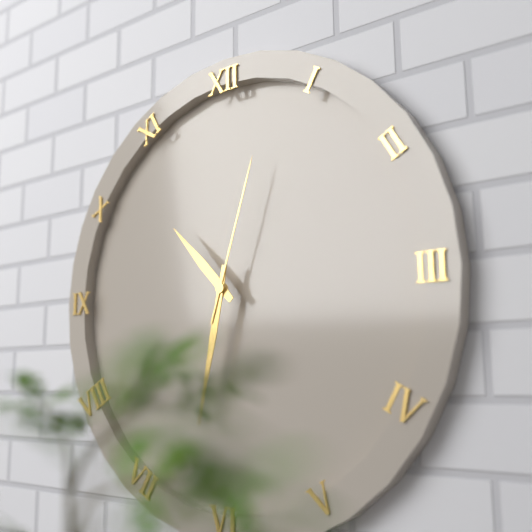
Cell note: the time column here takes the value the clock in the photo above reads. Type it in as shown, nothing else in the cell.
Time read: 10:32:03
